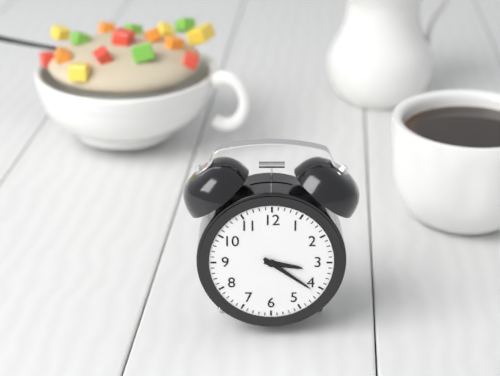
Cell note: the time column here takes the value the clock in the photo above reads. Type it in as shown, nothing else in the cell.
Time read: 3:21
